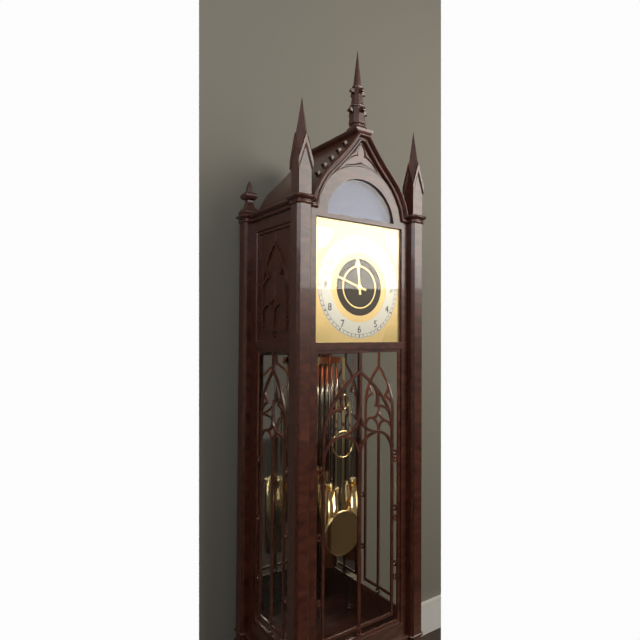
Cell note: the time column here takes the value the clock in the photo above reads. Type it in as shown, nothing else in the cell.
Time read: 11:48
